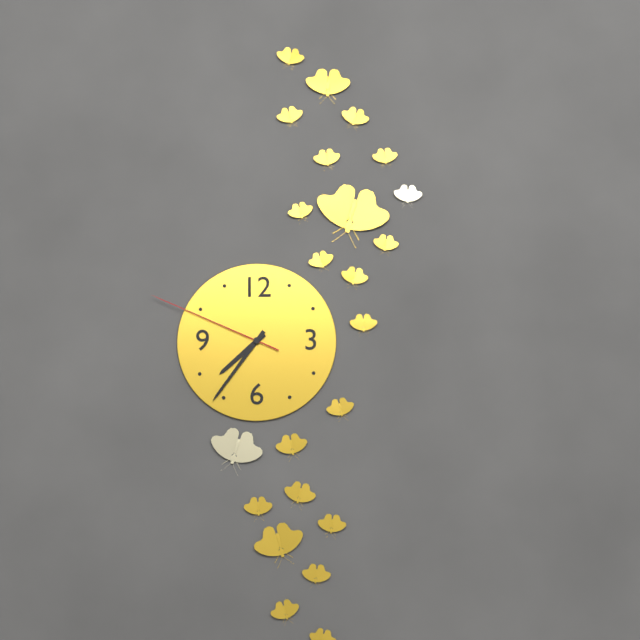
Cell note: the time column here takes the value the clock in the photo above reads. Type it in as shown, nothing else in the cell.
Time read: 7:36:49
